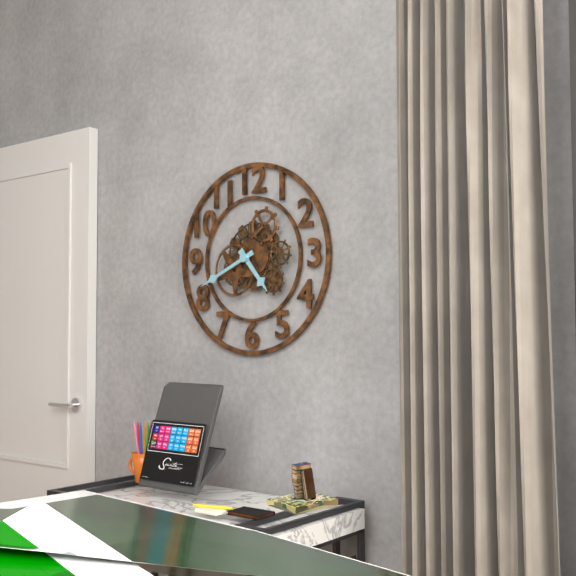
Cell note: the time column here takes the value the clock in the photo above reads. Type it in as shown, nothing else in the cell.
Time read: 4:41
